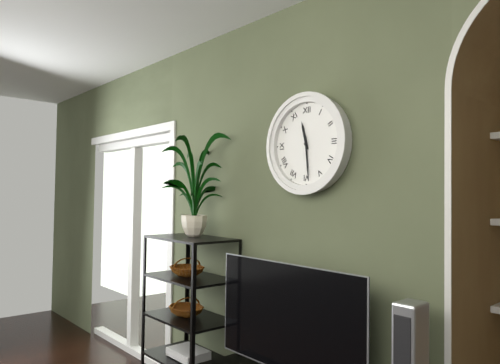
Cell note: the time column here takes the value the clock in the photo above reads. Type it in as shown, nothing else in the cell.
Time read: 11:29
